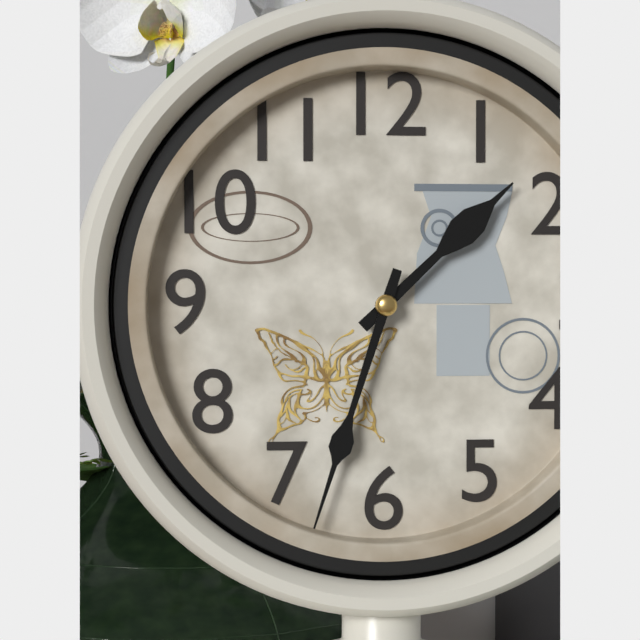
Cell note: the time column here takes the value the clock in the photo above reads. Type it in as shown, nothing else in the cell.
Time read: 1:33
